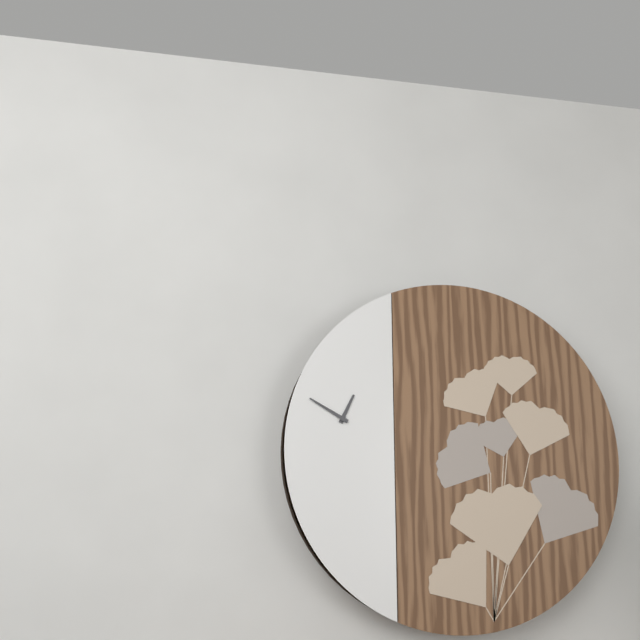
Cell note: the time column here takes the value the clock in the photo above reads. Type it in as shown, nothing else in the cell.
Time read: 12:50
